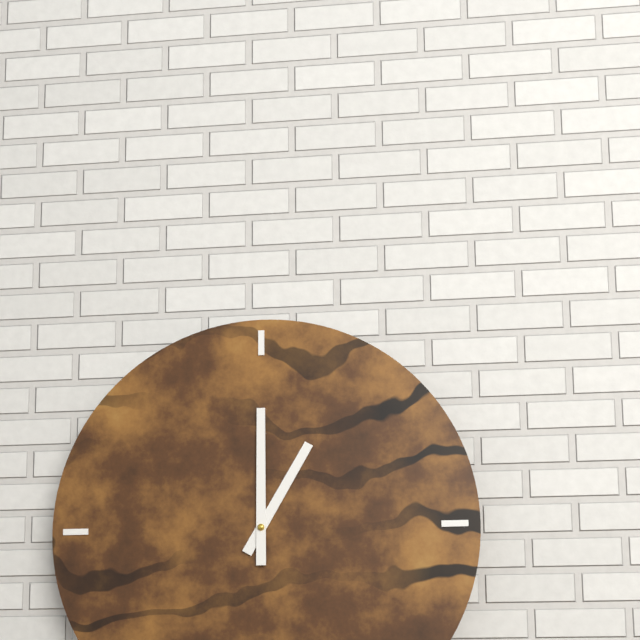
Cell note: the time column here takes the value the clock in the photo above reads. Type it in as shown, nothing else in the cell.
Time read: 1:00
